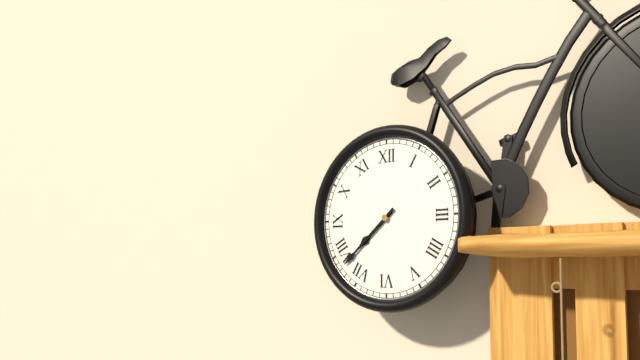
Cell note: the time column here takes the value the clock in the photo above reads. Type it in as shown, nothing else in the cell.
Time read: 7:38
